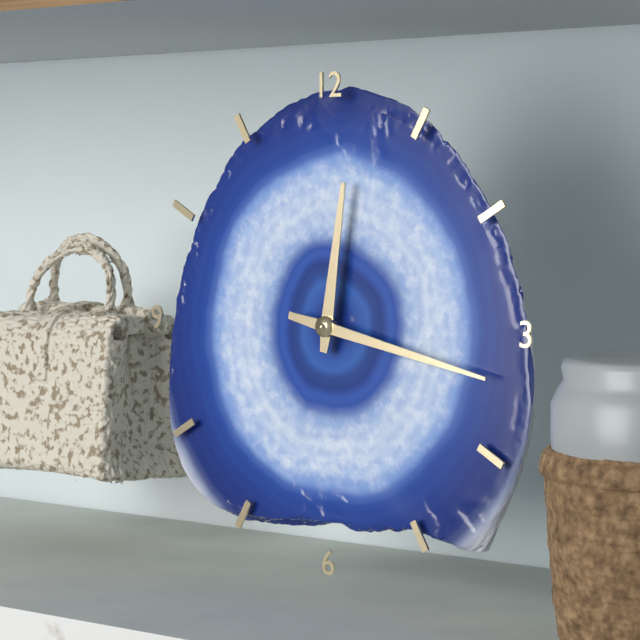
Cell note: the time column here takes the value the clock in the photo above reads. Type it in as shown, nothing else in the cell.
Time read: 12:17
